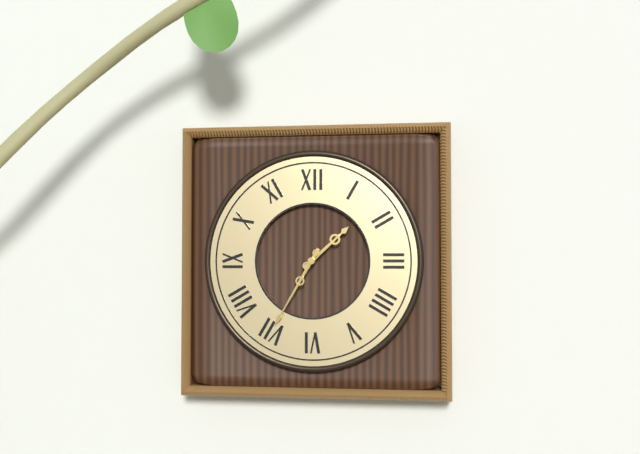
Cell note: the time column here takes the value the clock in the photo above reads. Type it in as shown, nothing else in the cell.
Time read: 1:35
